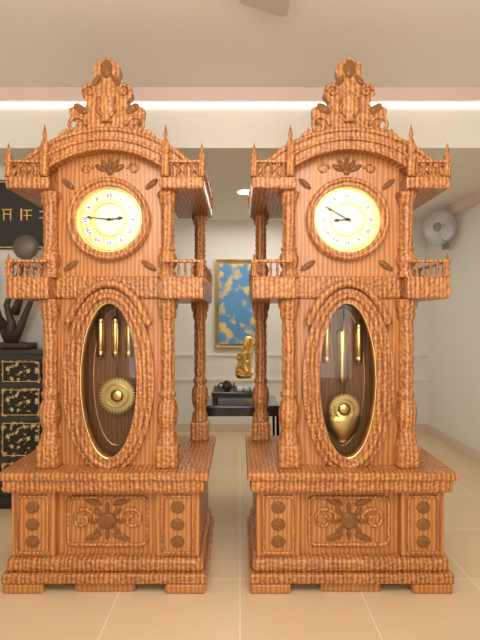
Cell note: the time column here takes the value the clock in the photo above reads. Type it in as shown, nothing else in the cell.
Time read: 2:46
